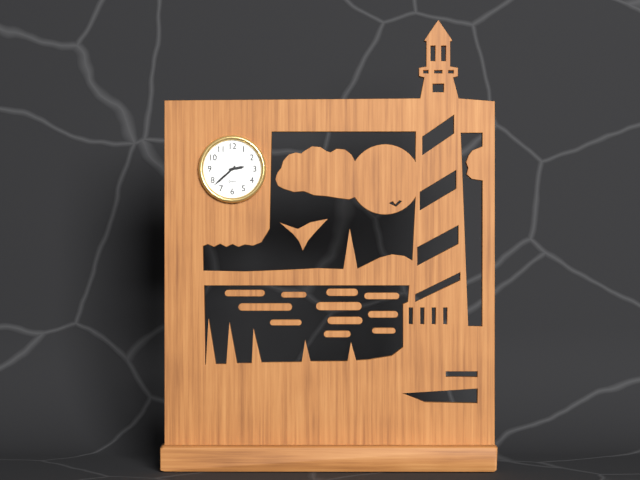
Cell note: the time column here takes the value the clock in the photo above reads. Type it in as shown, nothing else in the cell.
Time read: 2:38
